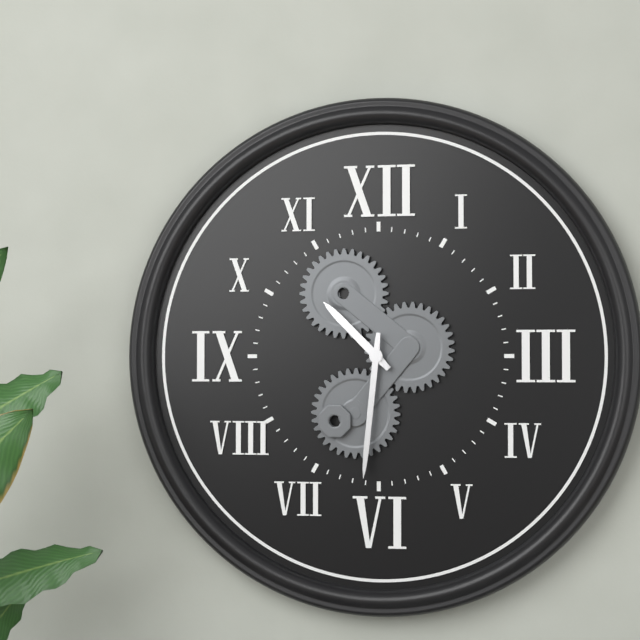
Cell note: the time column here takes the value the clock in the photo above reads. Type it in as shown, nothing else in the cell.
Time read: 10:31
